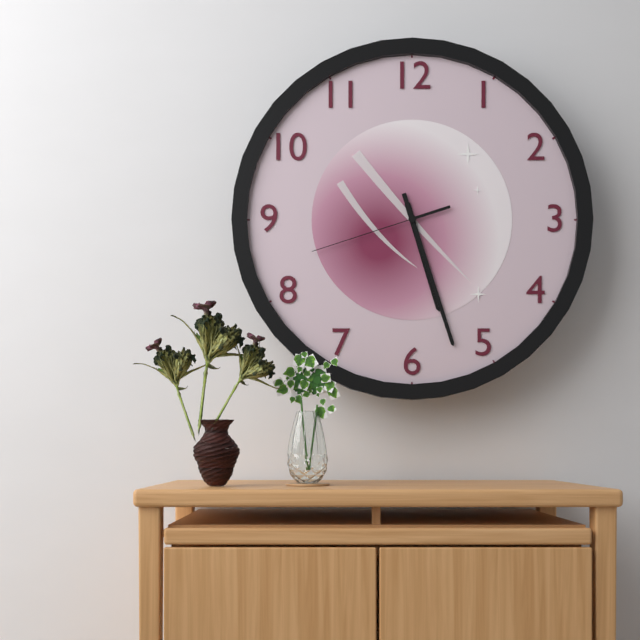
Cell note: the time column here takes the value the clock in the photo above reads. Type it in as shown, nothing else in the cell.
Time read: 5:27:42
